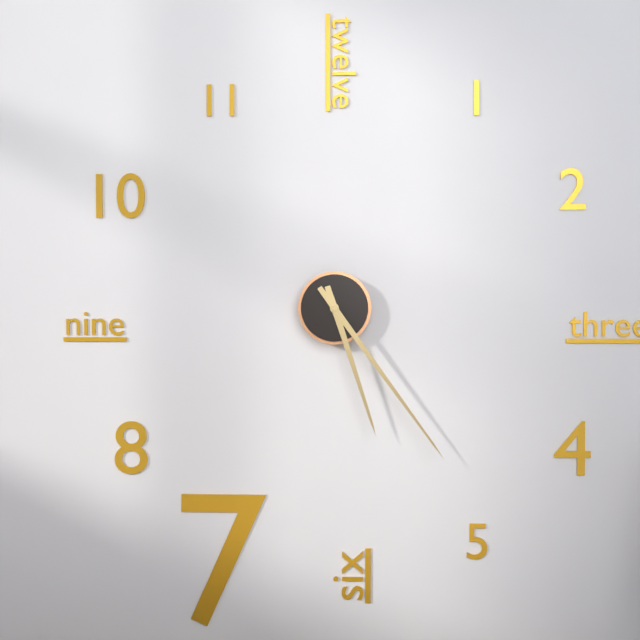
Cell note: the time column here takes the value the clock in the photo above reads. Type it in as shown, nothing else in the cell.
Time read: 5:24
